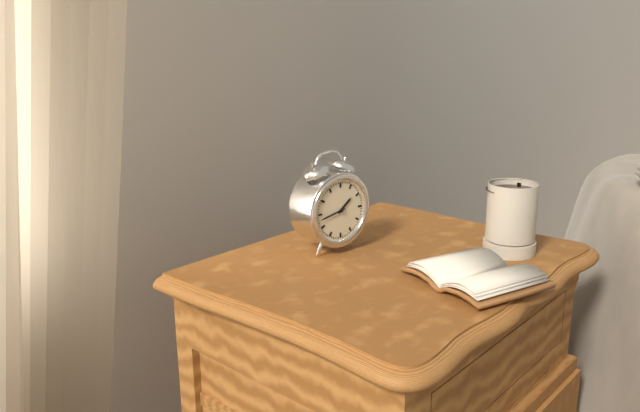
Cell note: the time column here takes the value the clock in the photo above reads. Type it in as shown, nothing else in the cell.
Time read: 1:43
